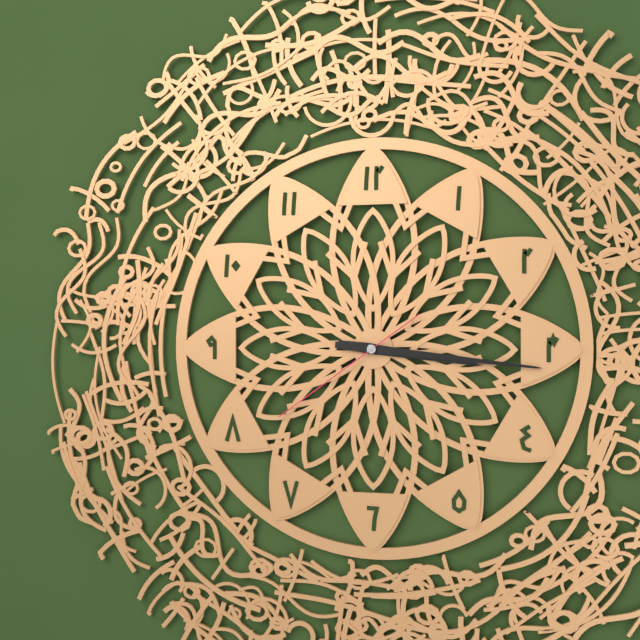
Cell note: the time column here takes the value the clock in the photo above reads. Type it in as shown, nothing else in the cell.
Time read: 3:16:39
